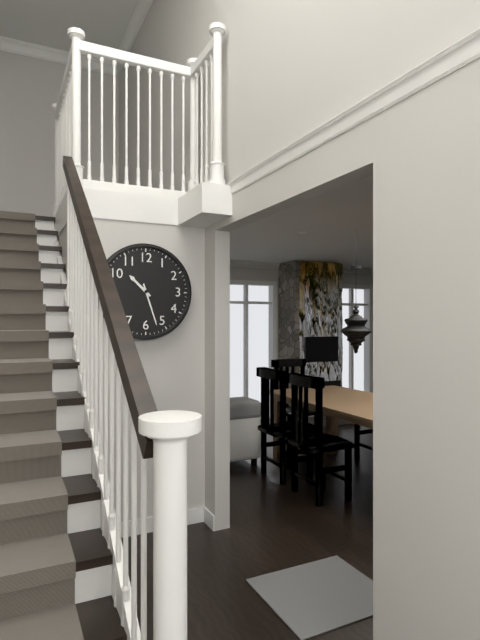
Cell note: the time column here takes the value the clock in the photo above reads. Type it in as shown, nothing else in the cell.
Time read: 10:27
